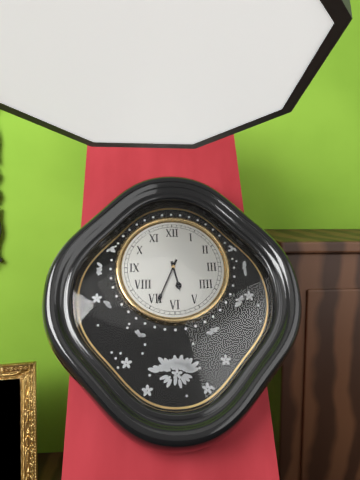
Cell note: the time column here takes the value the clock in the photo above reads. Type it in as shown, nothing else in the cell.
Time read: 5:34
